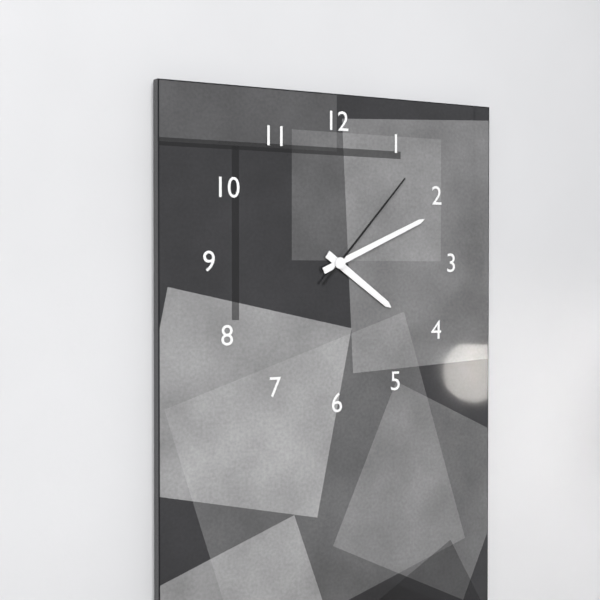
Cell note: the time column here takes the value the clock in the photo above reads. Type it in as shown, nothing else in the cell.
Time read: 4:11:07
